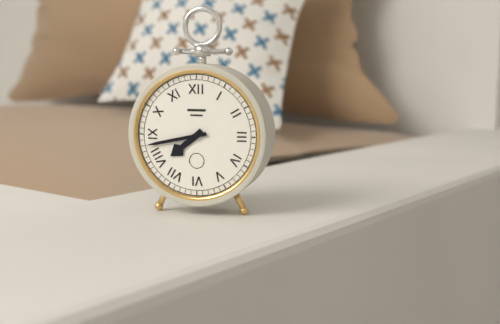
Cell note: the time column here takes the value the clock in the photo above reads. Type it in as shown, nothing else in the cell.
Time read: 7:43
